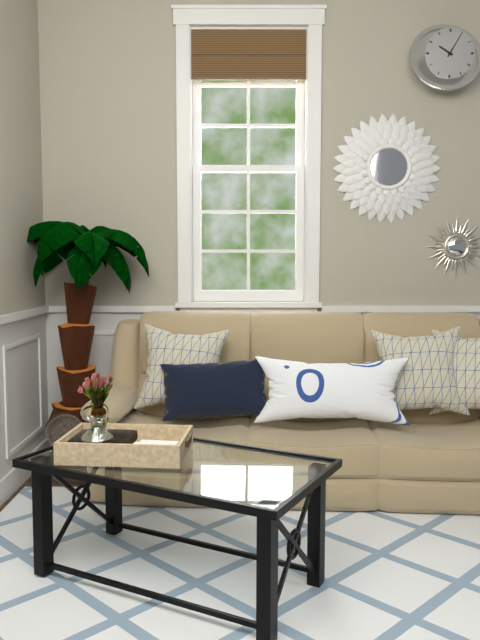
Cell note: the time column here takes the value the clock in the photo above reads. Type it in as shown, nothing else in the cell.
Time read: 10:05
